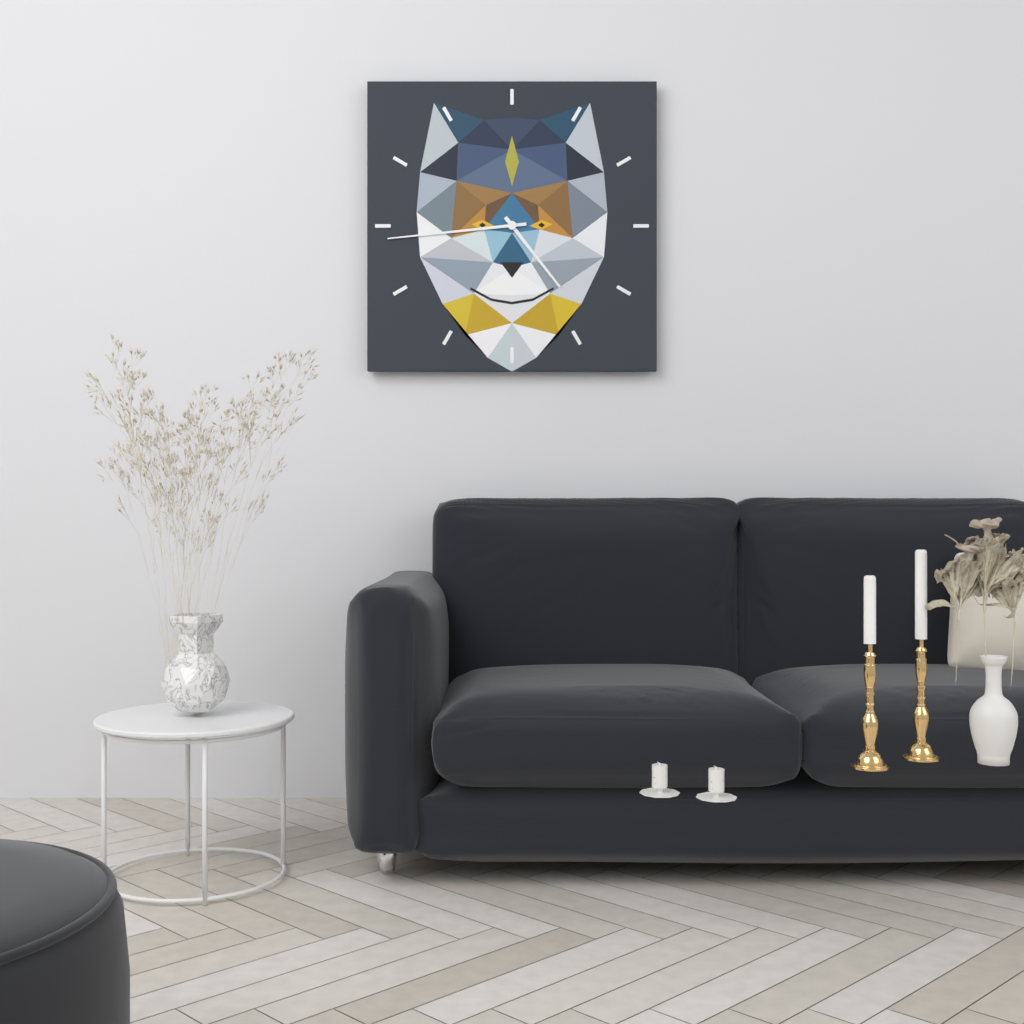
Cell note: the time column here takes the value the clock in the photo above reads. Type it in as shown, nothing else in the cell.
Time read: 4:44
